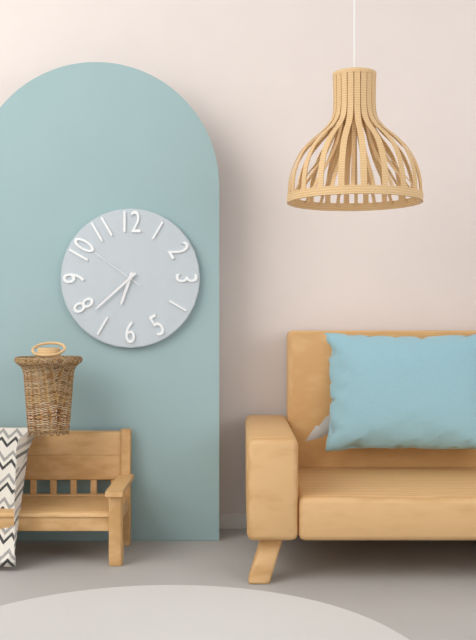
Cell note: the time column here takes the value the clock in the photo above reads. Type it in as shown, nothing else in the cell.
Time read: 6:38:51
